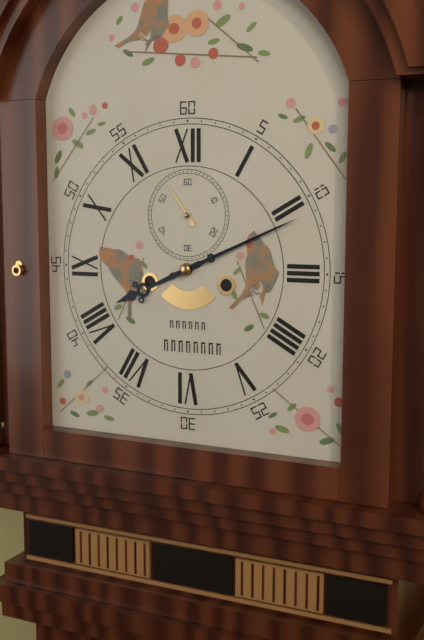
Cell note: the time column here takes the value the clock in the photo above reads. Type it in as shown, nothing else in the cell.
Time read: 8:11
